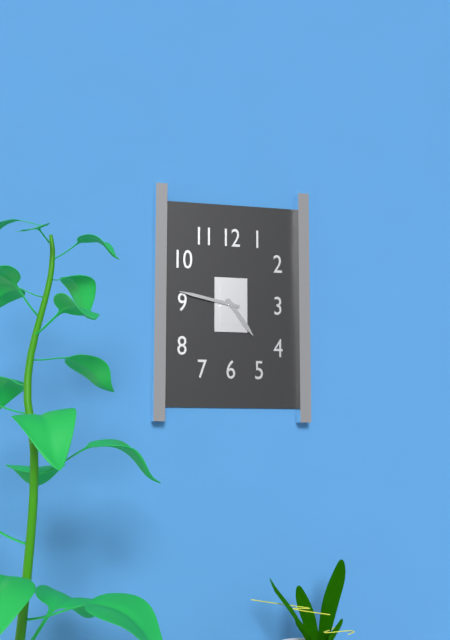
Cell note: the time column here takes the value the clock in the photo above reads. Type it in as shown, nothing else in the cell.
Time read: 4:47
